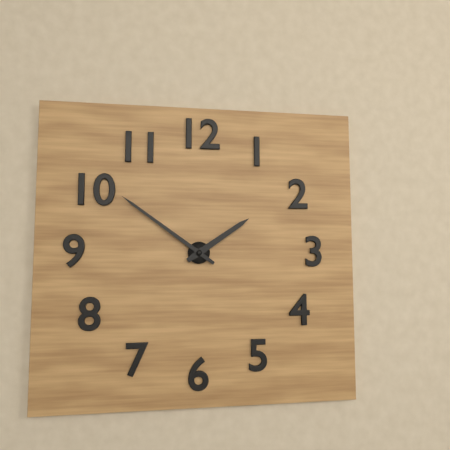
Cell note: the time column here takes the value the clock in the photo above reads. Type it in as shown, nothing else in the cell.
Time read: 1:51
